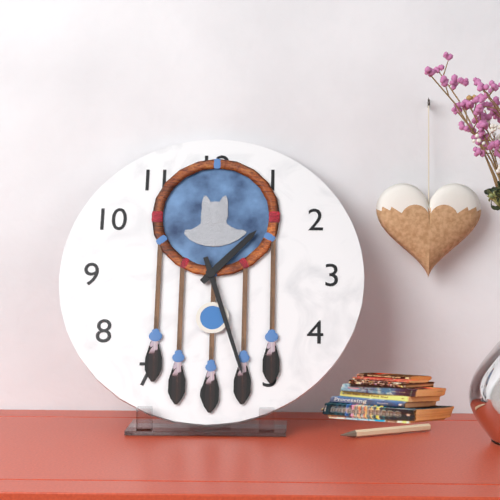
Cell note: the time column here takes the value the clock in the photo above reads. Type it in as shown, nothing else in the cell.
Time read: 1:27
